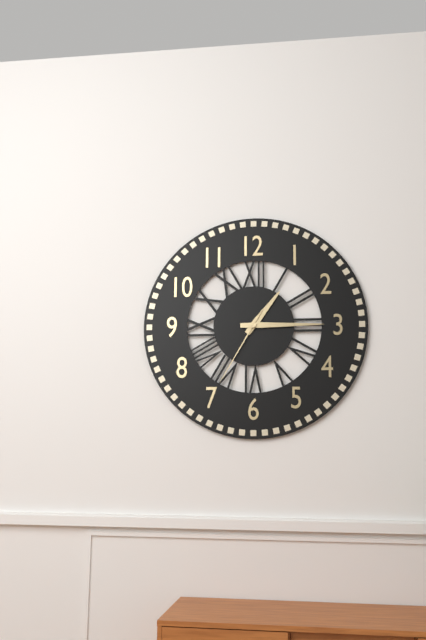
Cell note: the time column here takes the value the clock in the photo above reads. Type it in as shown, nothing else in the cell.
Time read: 1:15:35
